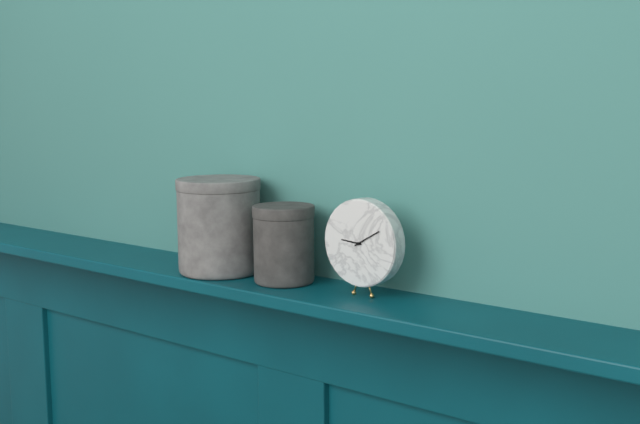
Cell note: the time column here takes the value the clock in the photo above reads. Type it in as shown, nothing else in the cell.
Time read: 9:10
